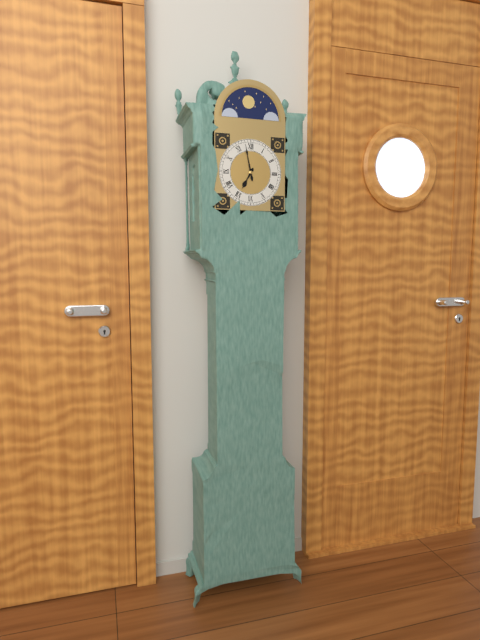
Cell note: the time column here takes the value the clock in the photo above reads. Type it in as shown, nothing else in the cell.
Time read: 6:58
